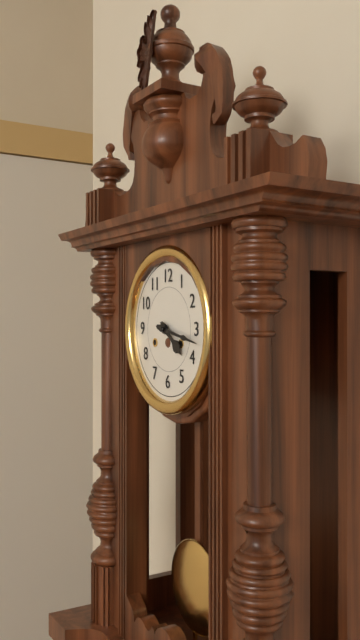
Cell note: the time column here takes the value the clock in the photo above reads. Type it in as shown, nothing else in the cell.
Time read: 4:17
